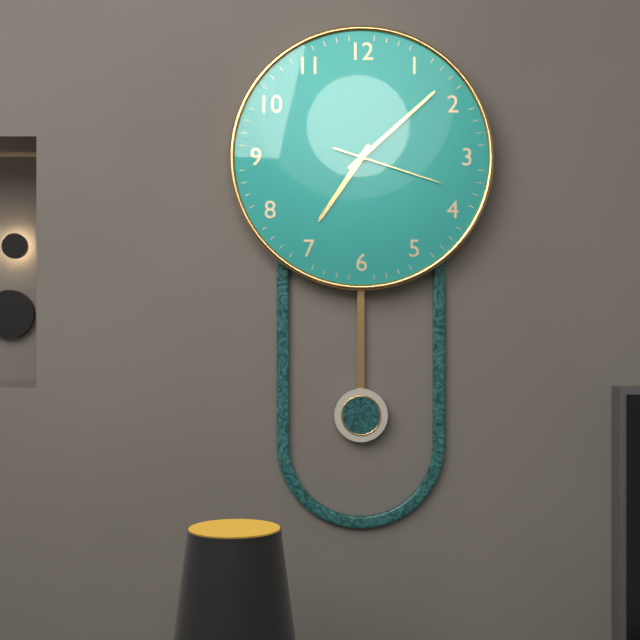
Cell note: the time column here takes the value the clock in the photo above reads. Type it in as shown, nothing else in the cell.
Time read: 7:08:18
